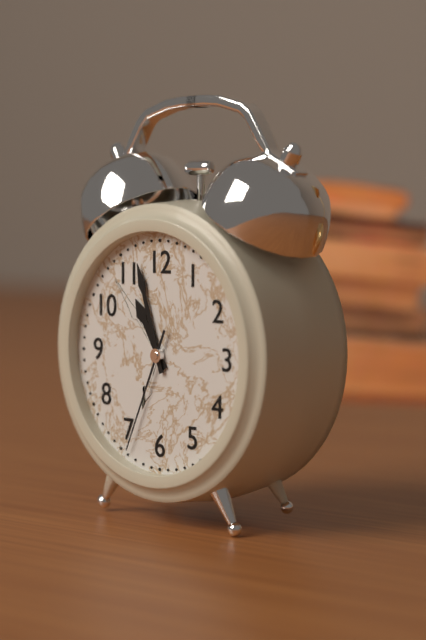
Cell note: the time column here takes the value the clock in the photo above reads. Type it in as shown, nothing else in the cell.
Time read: 10:57:34
